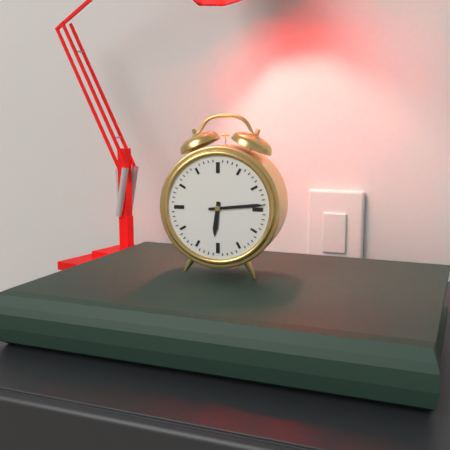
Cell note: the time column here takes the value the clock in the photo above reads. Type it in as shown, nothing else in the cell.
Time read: 6:14
